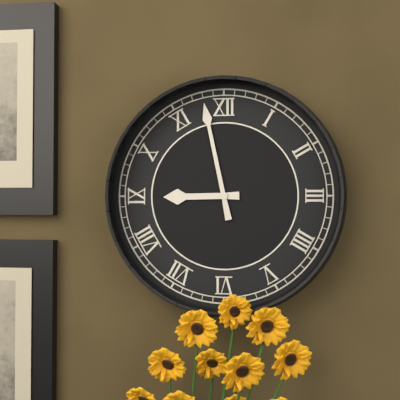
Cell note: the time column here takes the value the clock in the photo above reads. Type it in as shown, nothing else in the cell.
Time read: 8:58
